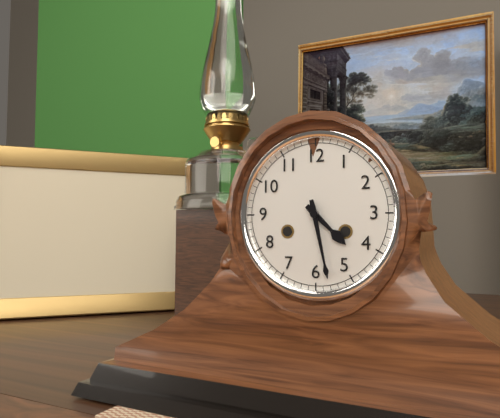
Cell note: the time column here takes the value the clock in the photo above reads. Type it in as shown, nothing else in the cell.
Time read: 4:28
